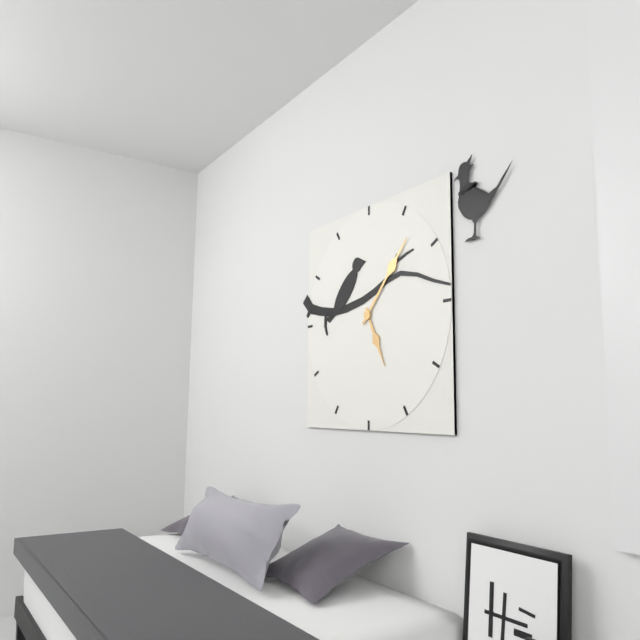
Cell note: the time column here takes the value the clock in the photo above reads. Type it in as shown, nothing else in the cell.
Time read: 5:07
